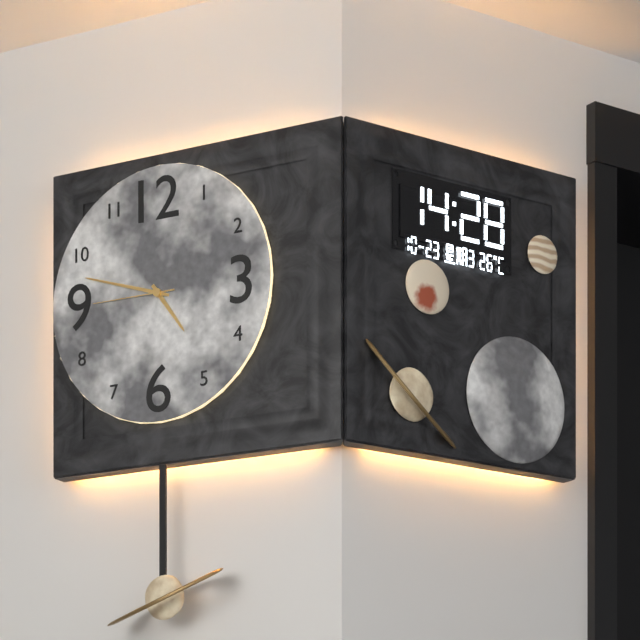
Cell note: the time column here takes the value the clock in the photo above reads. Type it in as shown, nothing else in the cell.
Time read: 4:48:45
